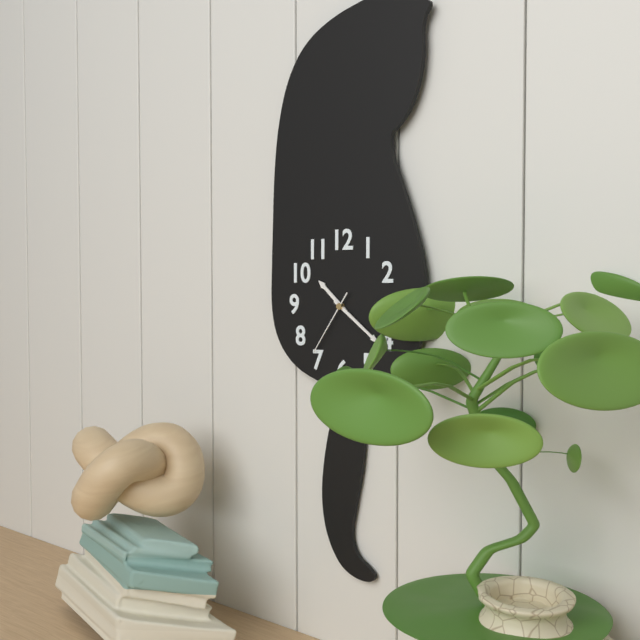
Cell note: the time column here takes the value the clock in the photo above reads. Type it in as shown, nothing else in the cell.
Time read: 10:21:36
